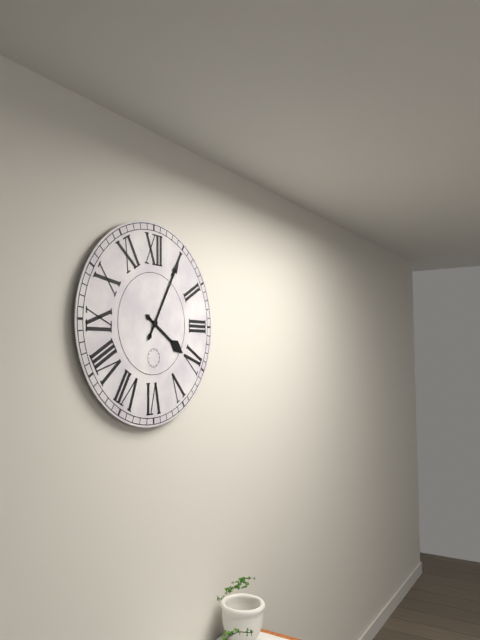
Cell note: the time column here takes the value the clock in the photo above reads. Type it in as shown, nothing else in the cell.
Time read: 4:05
